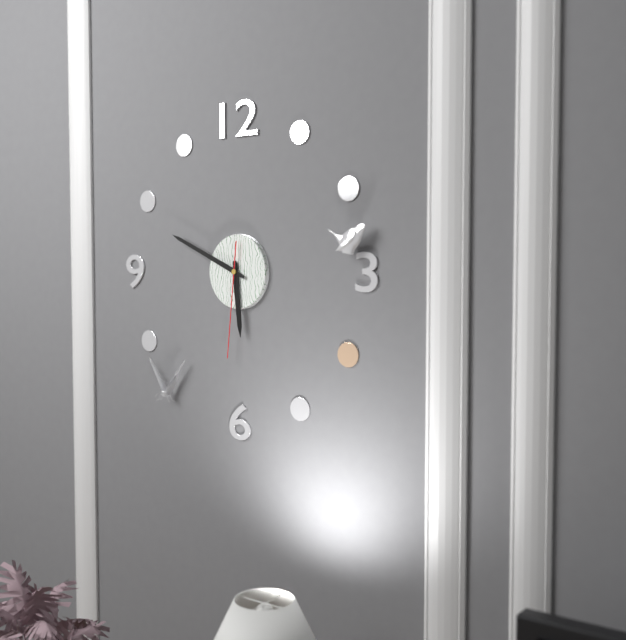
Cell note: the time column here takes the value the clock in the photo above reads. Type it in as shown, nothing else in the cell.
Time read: 5:49:31
